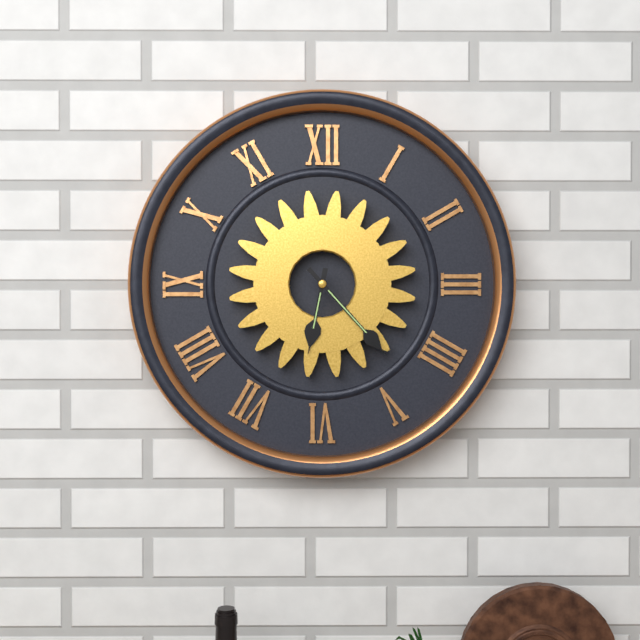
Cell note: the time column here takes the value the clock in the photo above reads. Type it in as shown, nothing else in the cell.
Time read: 6:23
